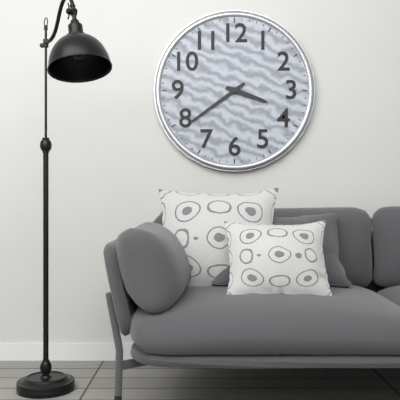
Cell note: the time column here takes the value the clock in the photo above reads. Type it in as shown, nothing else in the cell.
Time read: 3:39
